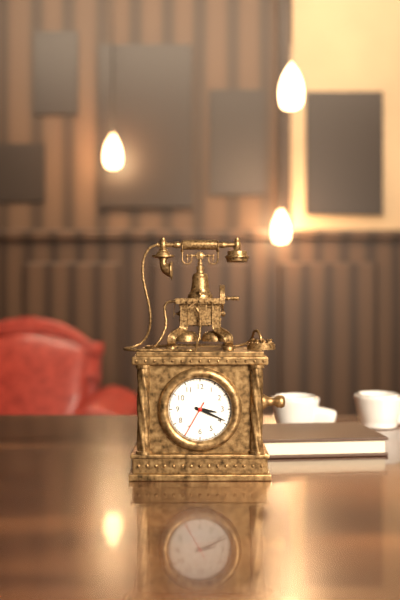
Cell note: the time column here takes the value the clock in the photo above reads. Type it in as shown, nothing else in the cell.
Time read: 3:19
